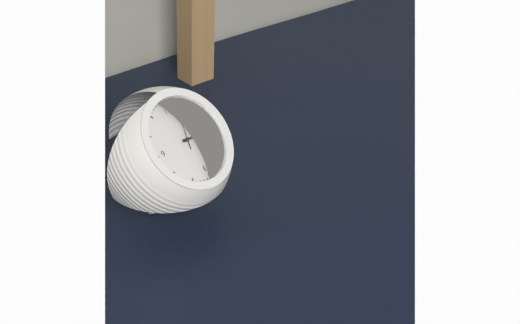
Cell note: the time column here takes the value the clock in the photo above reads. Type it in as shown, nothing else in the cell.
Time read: 3:16:03
